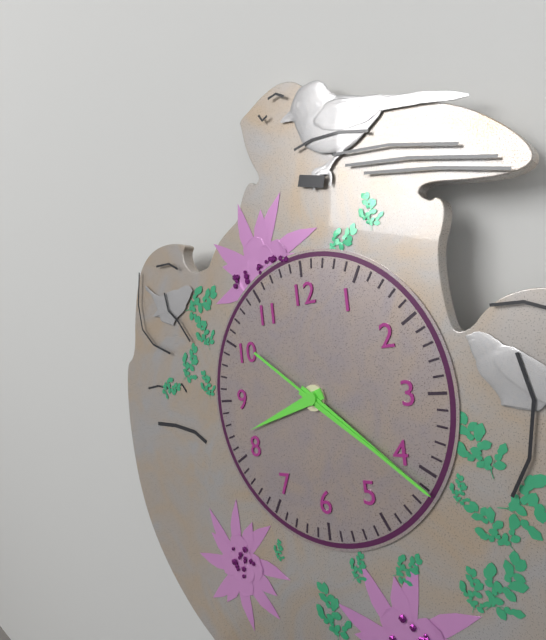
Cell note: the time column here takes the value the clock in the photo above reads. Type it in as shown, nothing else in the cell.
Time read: 8:21:21
